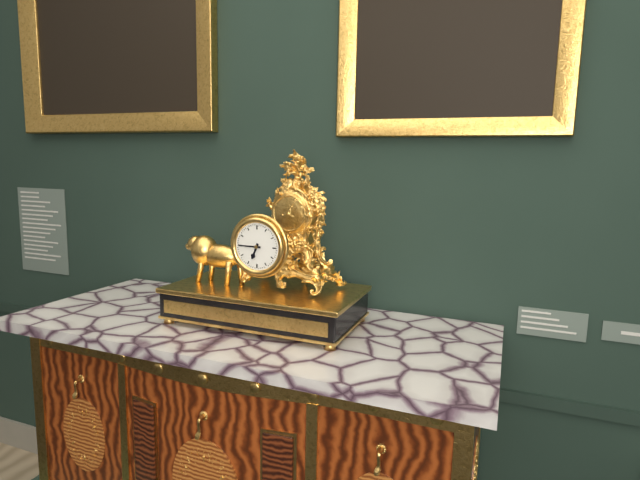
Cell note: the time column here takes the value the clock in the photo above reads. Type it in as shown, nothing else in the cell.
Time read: 6:45
